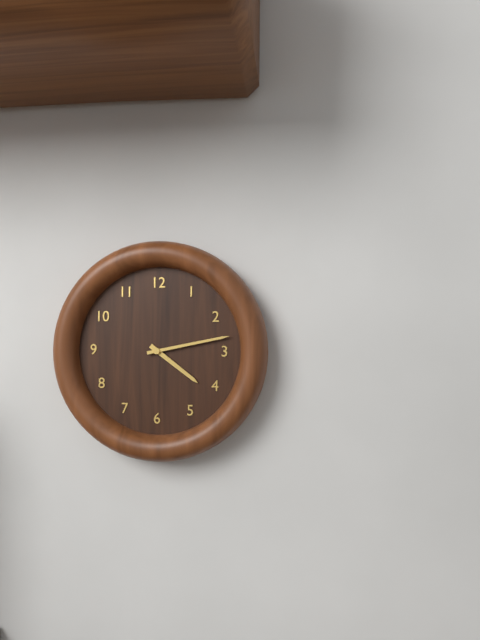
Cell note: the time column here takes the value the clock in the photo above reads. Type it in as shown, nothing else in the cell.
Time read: 4:13
